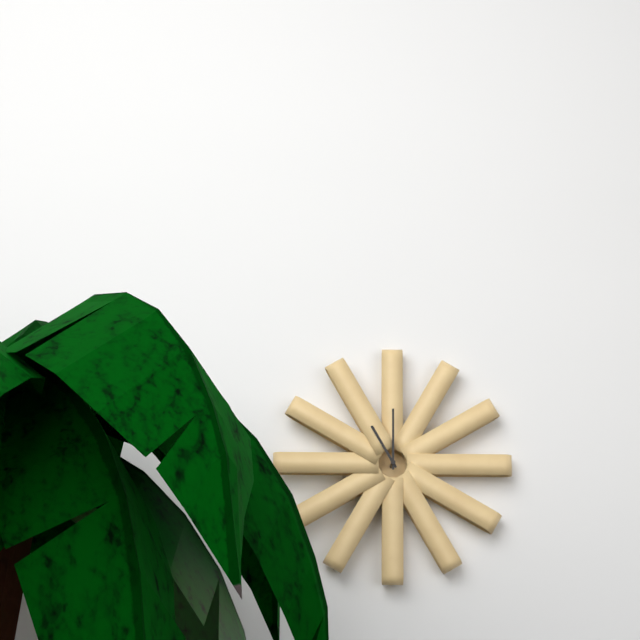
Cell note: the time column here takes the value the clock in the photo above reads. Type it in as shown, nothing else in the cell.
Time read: 11:00
